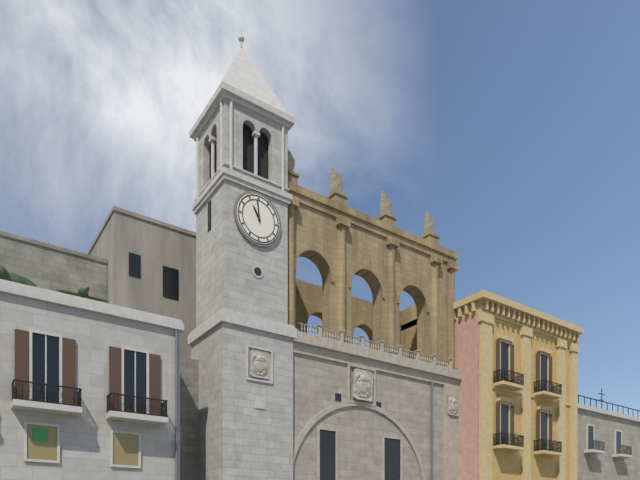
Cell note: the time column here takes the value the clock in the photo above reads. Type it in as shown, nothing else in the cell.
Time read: 10:59
